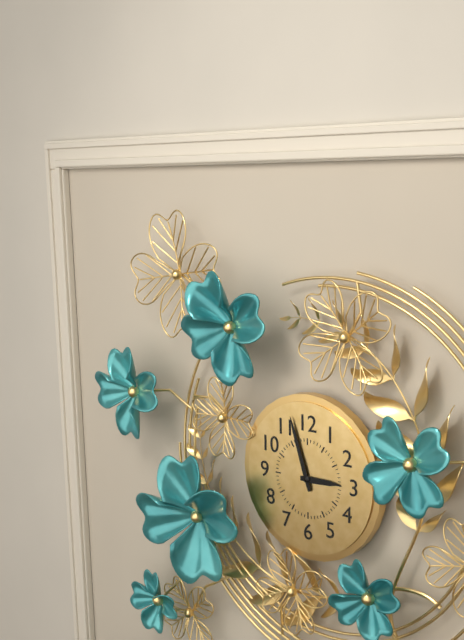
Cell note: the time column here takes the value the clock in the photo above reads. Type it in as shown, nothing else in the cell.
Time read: 2:57
